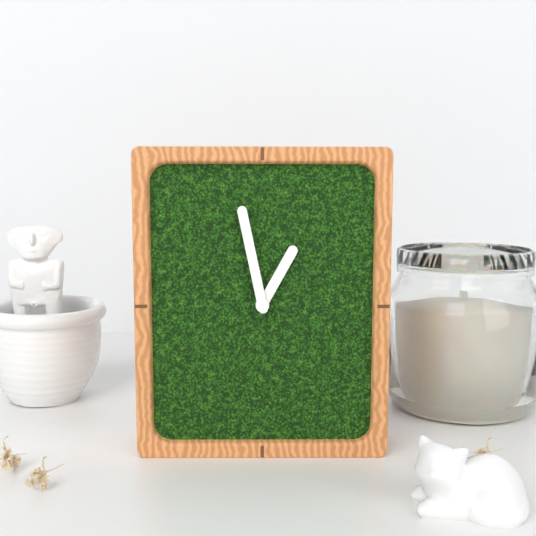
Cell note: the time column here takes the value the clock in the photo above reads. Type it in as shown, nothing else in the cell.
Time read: 12:58
